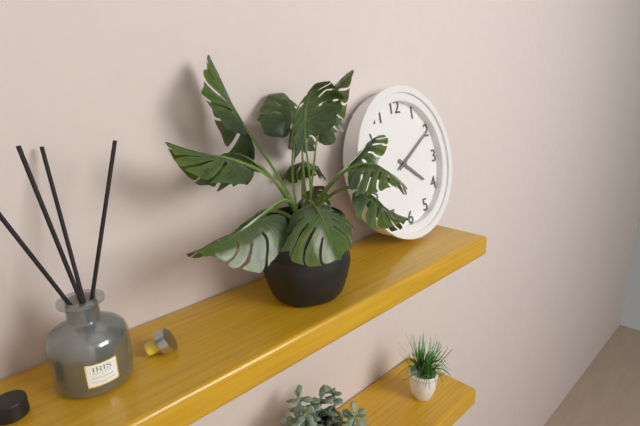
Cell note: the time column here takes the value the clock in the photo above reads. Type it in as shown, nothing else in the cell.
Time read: 4:10
